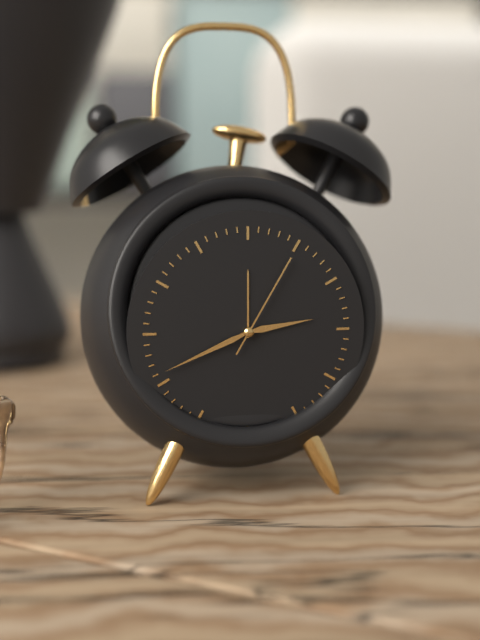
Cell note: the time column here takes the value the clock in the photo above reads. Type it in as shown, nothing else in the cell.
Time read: 2:41:05
